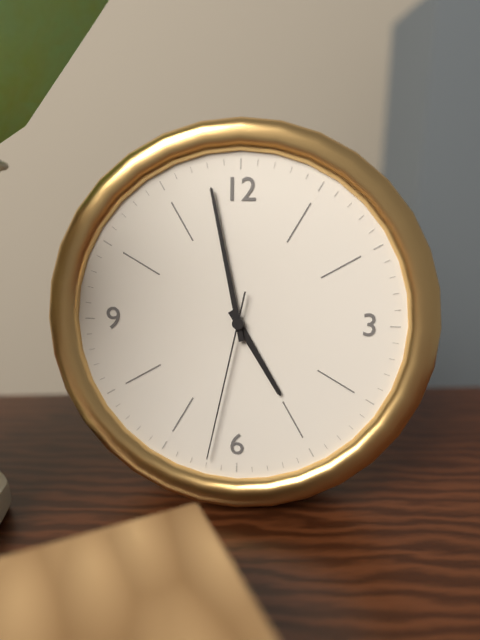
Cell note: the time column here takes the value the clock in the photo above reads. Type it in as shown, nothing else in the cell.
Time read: 4:58:32
